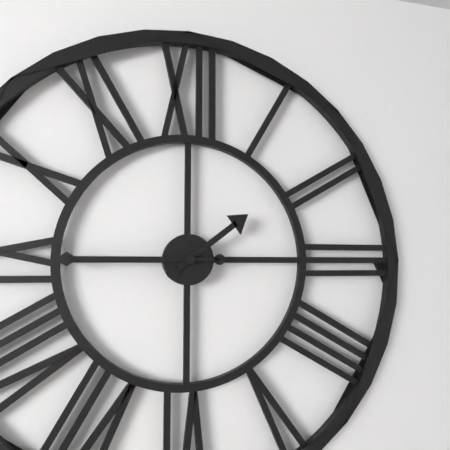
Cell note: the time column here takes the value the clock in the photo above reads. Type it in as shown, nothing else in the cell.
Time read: 1:45
